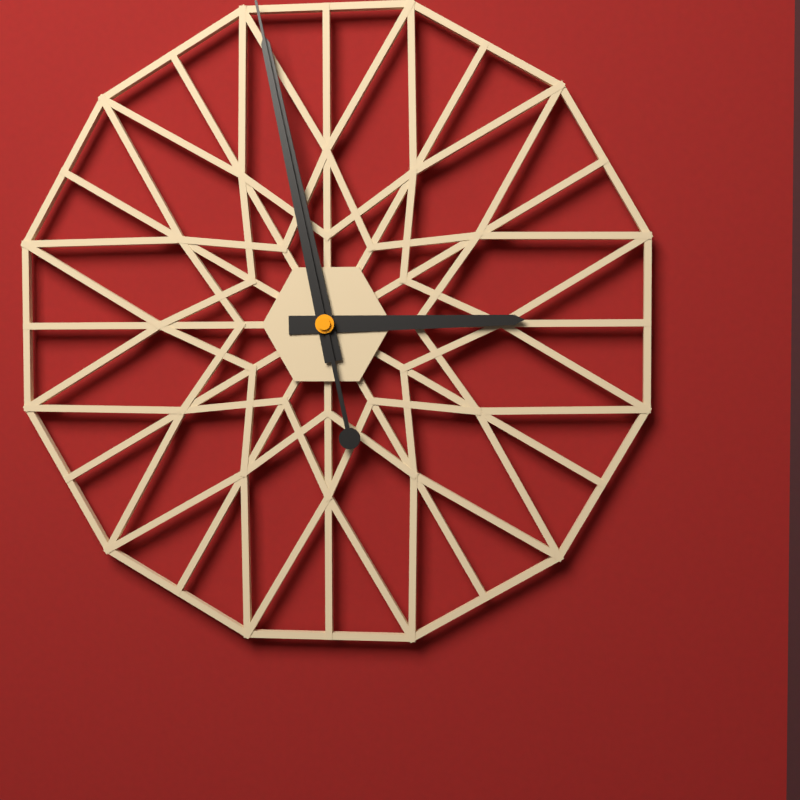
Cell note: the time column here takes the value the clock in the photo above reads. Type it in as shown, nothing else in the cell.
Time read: 2:58
